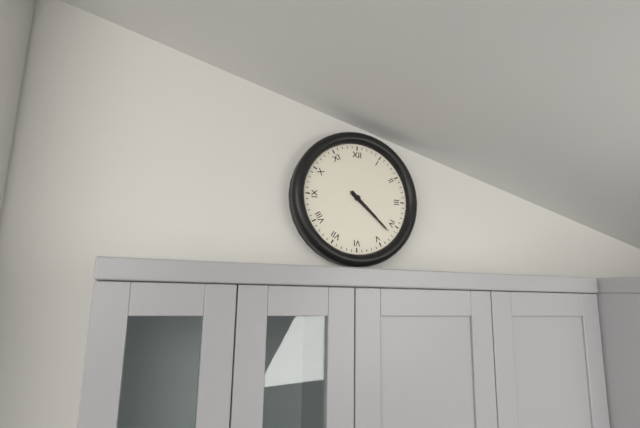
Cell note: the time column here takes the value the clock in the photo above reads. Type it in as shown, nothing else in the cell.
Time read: 4:22
